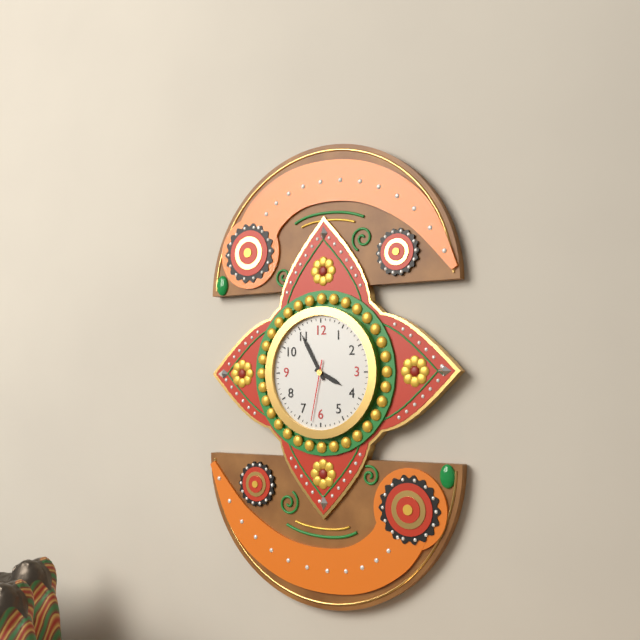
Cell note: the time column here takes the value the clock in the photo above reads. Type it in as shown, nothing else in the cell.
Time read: 3:55:32
